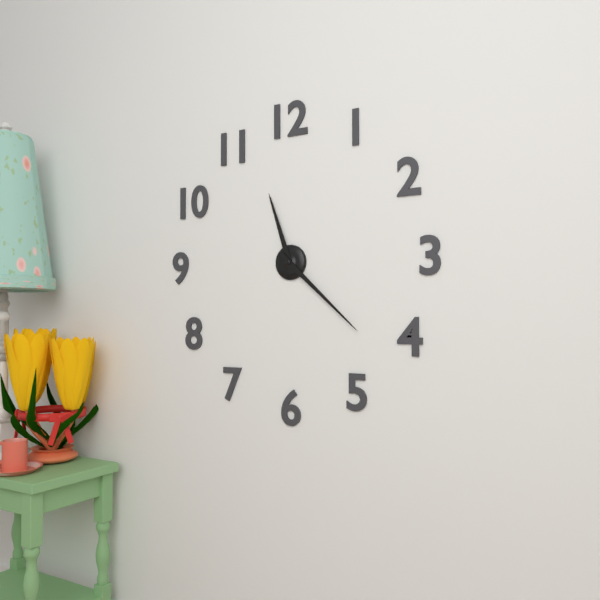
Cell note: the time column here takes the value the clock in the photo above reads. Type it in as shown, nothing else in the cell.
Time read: 11:22
